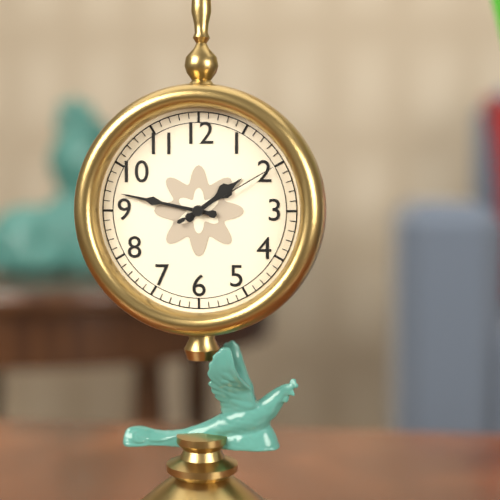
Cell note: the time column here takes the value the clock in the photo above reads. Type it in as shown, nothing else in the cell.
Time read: 1:47:10
